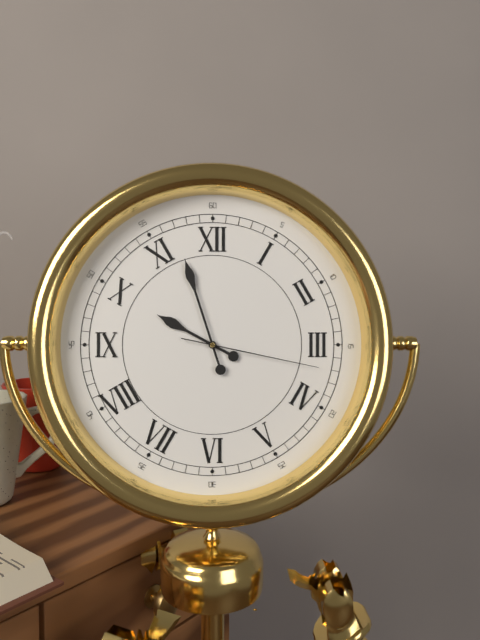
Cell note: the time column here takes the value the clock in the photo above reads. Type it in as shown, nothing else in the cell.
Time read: 9:57:17
